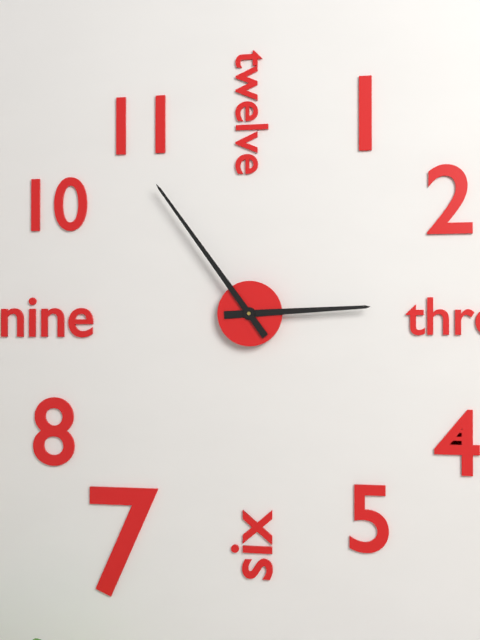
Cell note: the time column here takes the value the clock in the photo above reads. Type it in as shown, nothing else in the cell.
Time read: 2:54
